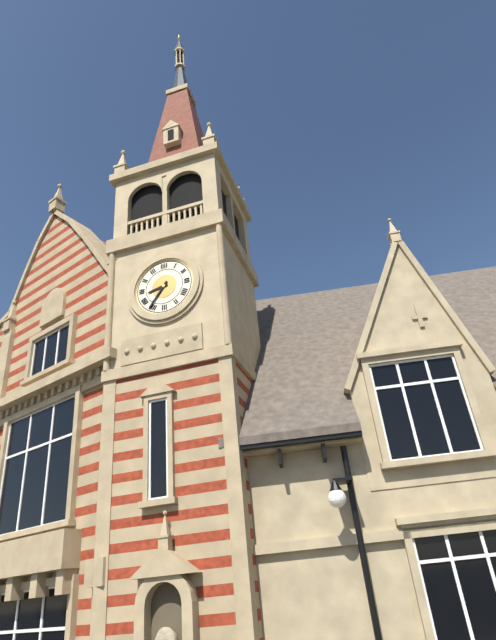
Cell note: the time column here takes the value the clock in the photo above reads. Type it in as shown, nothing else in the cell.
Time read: 8:36
